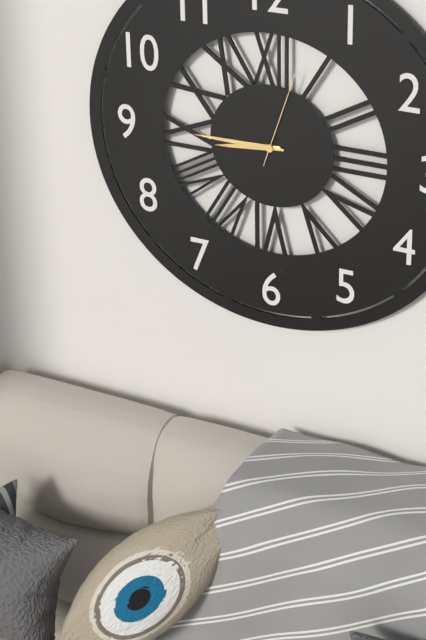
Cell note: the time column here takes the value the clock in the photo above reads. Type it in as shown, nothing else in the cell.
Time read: 8:45:03
